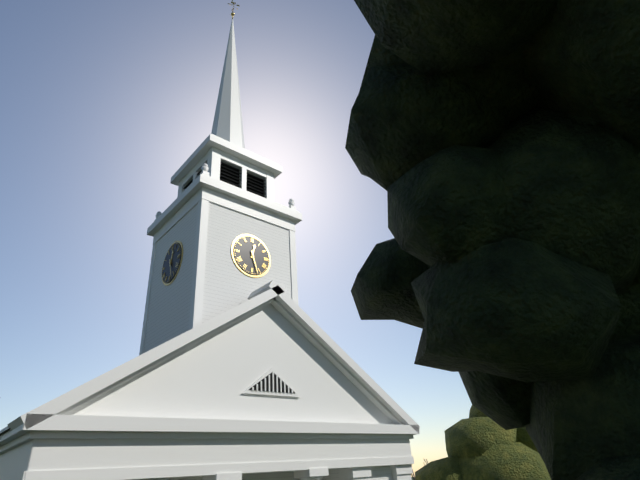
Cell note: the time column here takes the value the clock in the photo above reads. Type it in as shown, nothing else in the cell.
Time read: 12:27
